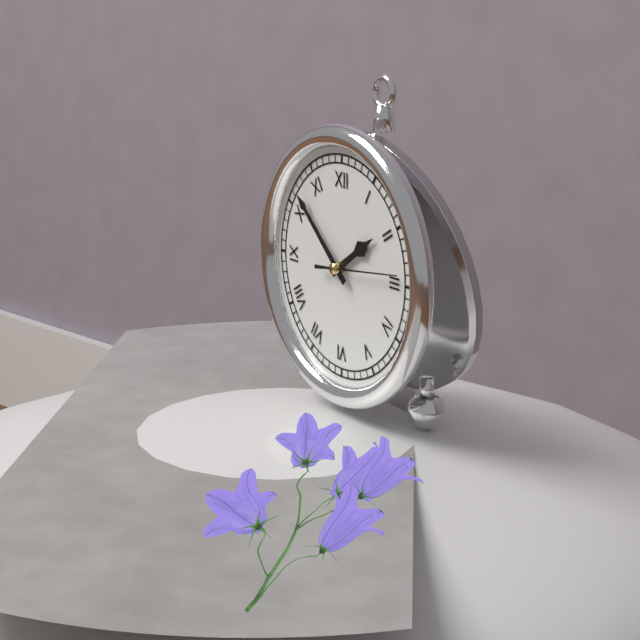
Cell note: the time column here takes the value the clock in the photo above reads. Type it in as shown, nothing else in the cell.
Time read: 1:52:14
